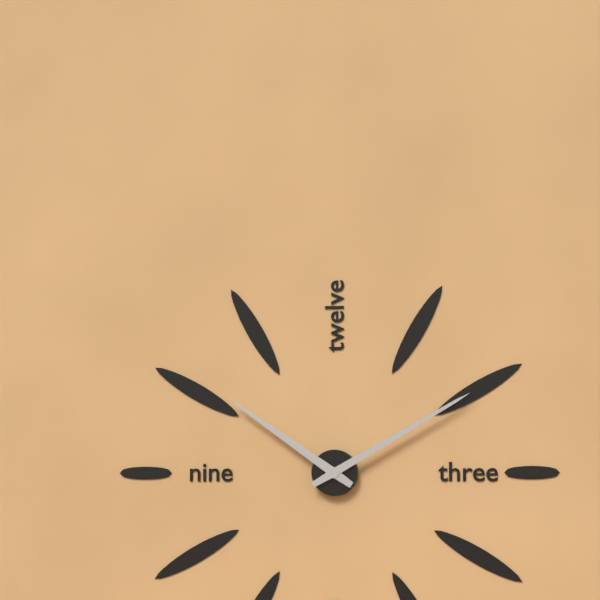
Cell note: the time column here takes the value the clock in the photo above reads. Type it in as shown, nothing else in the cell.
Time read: 10:10
